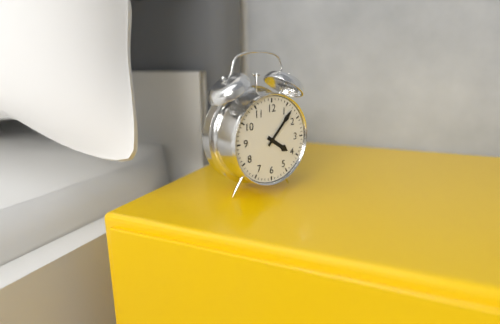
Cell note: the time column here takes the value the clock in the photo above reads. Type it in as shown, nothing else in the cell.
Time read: 4:07
